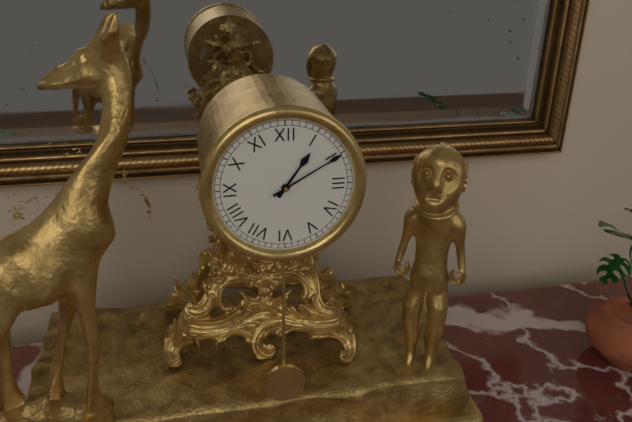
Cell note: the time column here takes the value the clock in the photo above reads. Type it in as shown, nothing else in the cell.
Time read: 1:10
